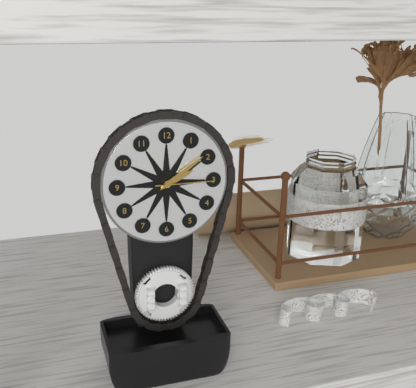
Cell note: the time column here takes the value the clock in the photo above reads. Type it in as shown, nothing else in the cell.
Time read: 2:09:15
